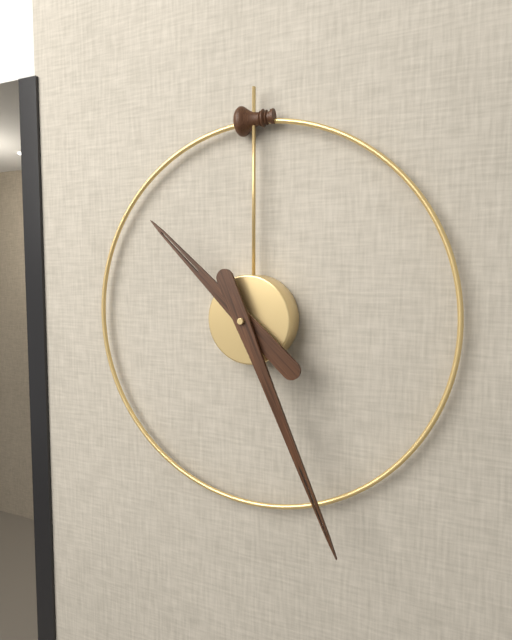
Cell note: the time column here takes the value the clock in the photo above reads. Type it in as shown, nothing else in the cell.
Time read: 10:26
